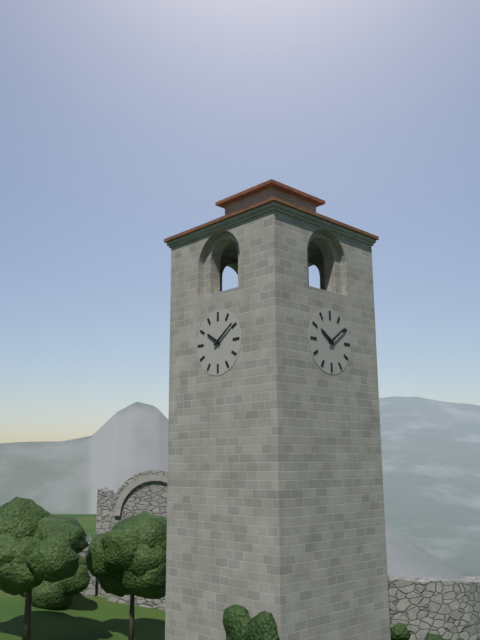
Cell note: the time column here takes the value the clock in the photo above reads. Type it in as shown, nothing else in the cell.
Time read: 10:09
